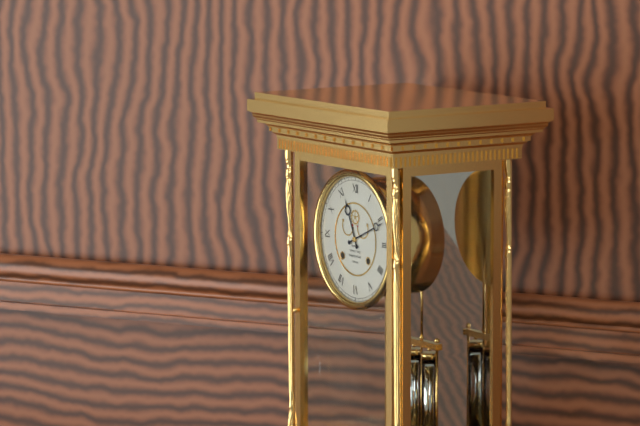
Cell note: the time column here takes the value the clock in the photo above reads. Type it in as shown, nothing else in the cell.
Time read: 11:11
